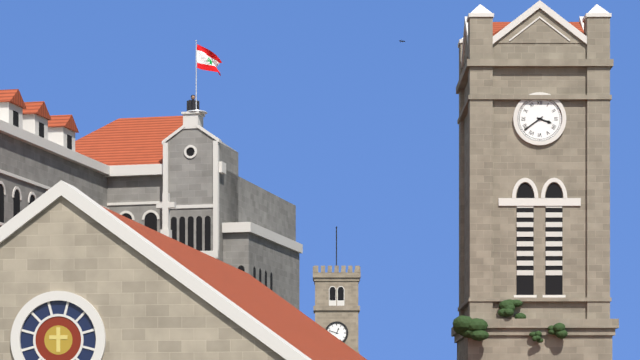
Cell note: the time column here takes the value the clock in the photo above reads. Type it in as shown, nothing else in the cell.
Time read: 3:39
